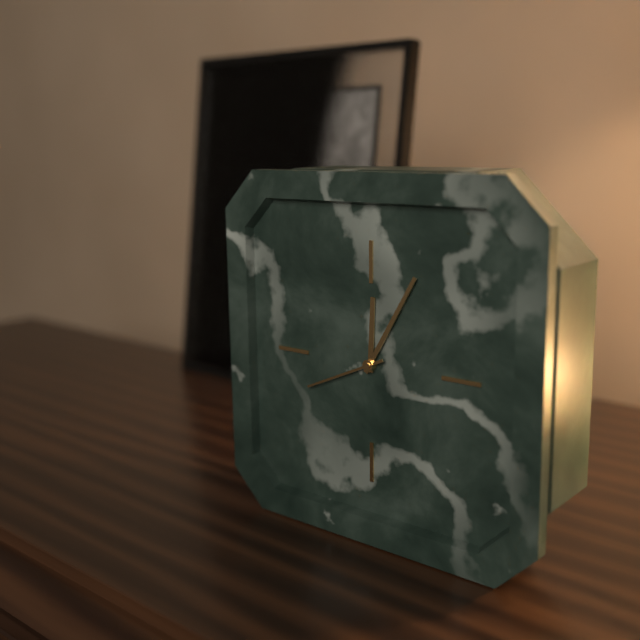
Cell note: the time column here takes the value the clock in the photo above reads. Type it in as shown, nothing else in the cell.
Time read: 12:05:41
